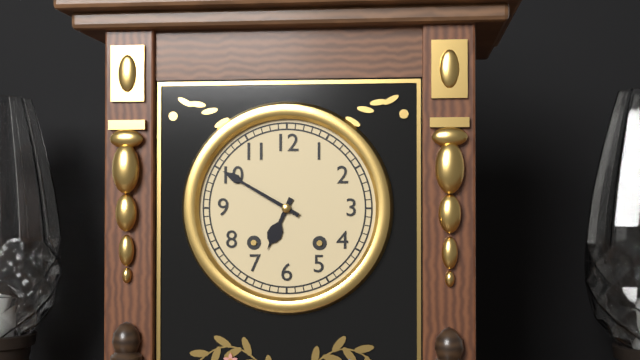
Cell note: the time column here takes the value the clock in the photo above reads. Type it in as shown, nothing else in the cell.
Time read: 6:50
